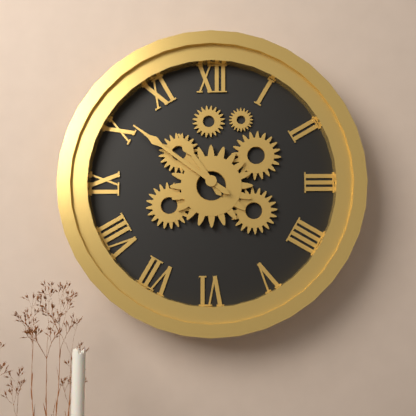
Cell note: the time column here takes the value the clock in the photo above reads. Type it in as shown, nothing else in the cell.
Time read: 10:51
